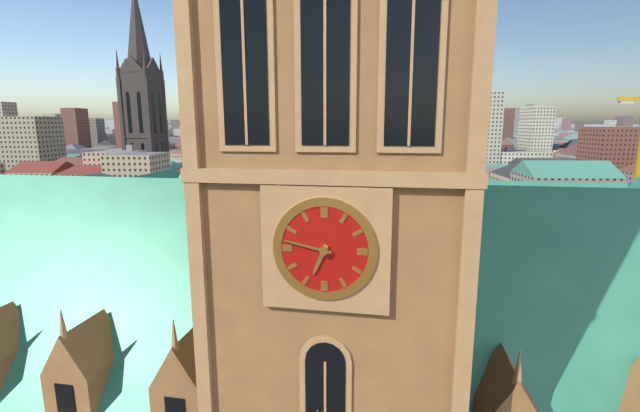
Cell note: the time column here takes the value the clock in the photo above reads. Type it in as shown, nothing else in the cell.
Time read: 6:47
